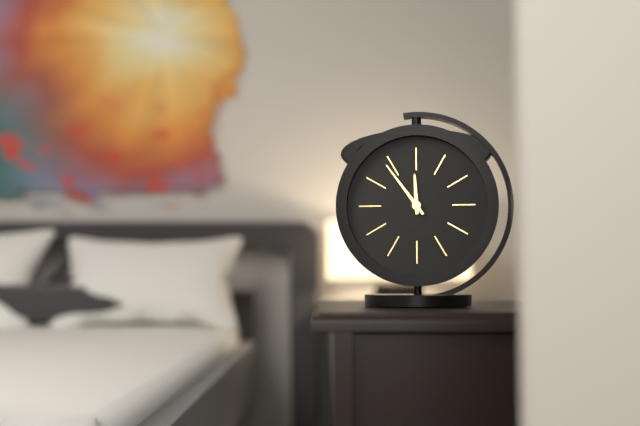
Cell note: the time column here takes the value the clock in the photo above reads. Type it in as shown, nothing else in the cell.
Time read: 11:54
